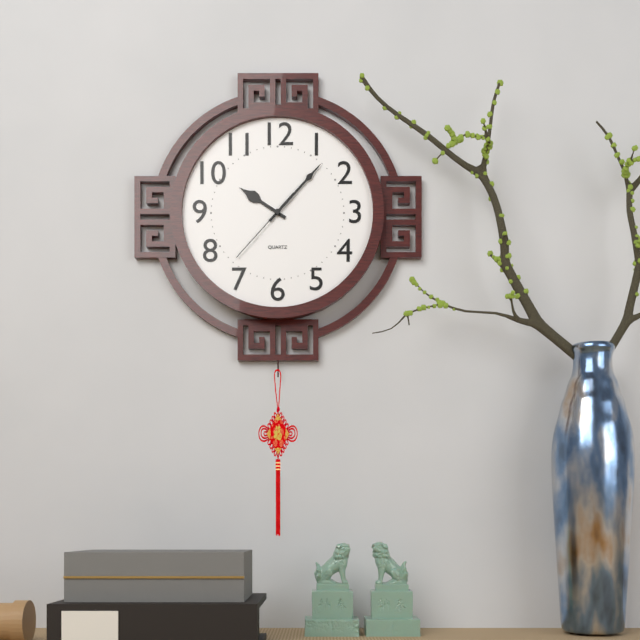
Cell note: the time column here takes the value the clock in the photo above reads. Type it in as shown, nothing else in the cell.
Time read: 10:07:37
